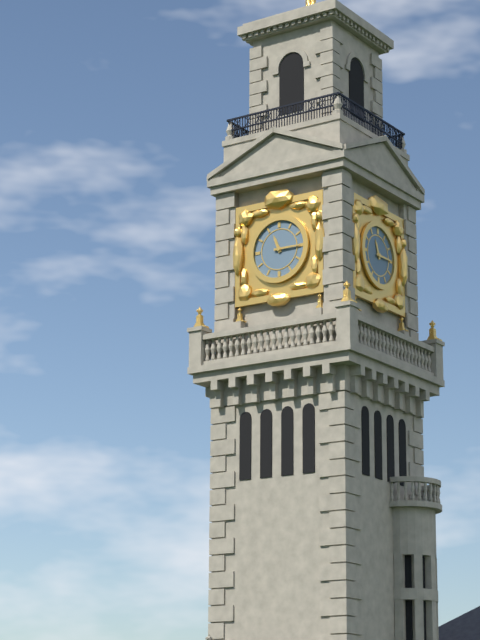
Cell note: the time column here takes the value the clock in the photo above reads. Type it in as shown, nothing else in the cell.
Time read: 11:15
